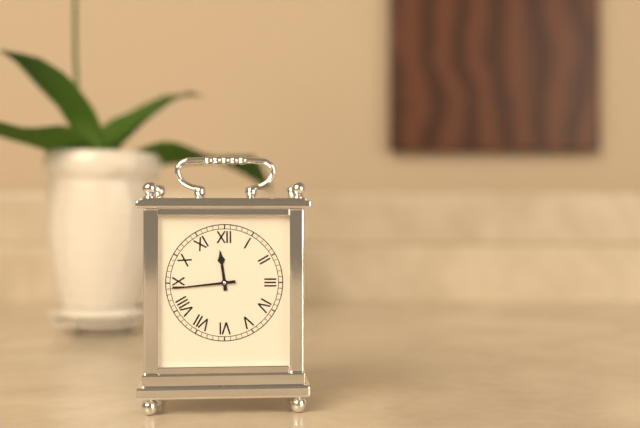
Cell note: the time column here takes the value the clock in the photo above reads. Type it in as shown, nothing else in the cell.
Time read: 11:44
